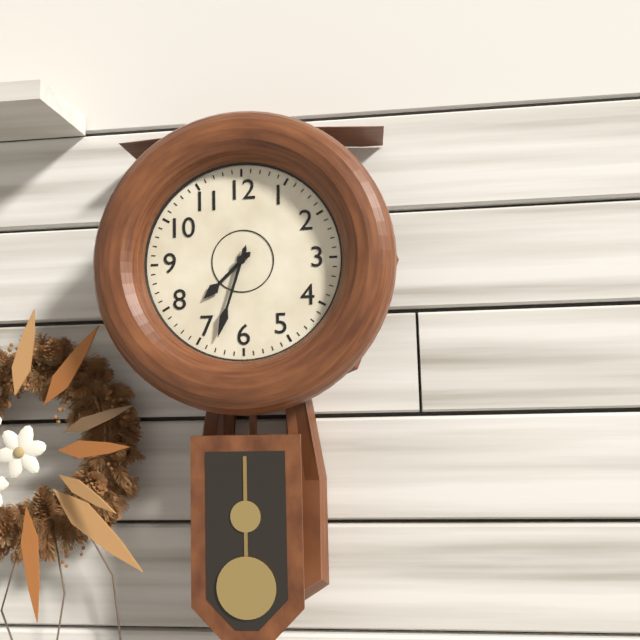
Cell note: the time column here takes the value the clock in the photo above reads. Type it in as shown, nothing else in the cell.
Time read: 7:33
